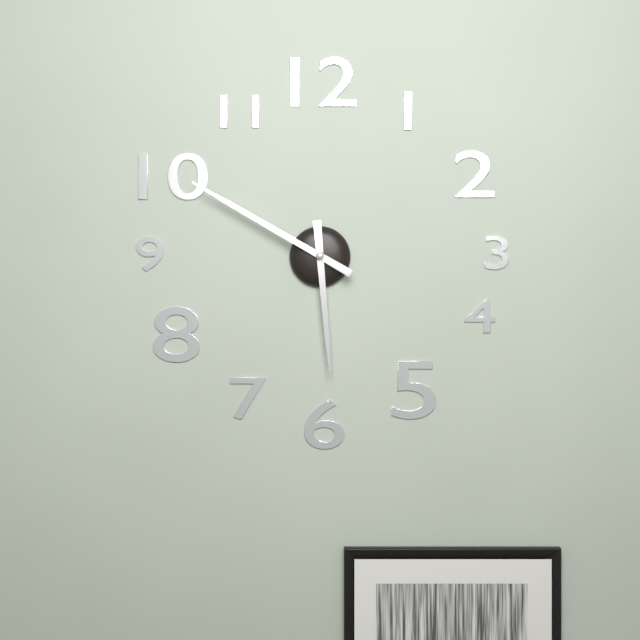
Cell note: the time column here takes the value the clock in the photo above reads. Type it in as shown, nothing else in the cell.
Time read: 5:50
